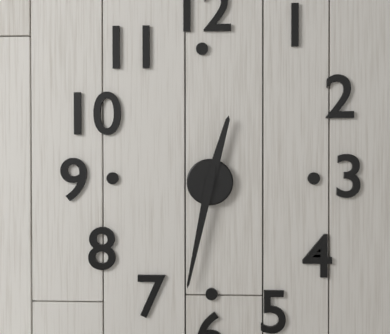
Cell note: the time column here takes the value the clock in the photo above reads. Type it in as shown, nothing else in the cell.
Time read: 12:32
